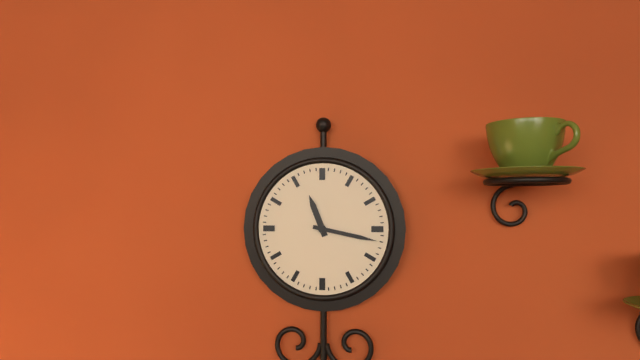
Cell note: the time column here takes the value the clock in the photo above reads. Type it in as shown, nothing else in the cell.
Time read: 11:17
